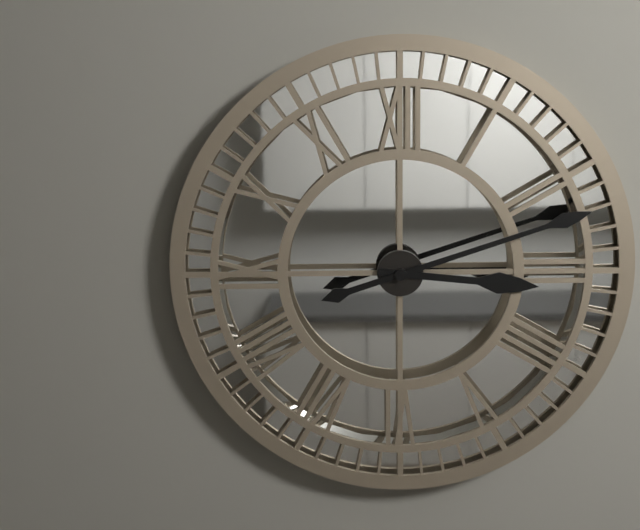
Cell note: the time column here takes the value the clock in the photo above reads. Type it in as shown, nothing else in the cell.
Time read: 3:12
